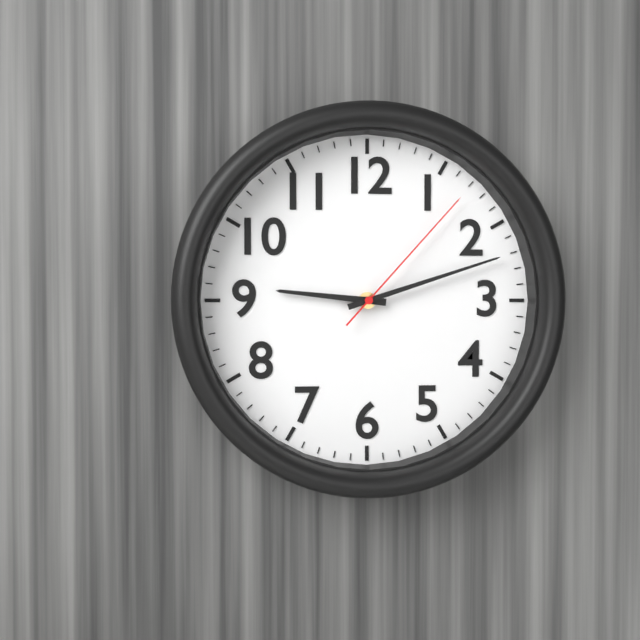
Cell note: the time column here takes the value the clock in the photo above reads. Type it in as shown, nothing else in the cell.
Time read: 9:12:07
